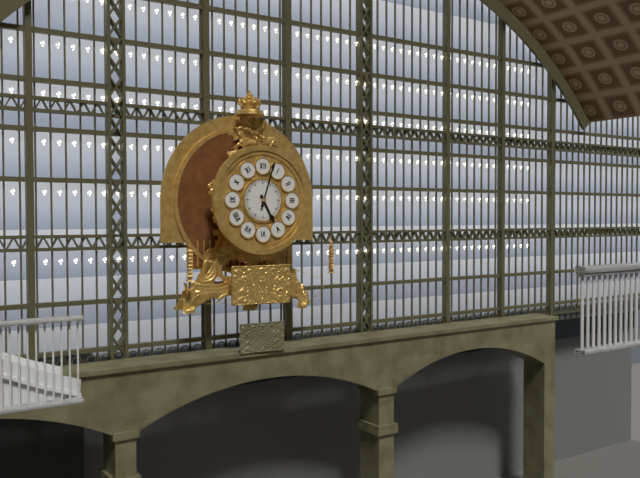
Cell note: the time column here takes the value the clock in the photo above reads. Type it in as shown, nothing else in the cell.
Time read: 5:03
